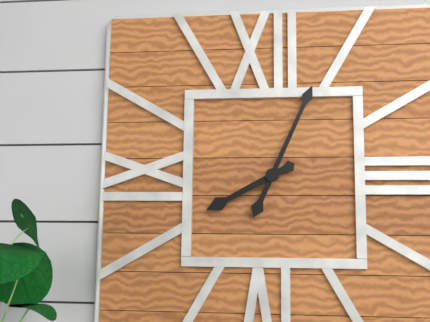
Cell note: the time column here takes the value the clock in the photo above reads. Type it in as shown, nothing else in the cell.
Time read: 8:04
